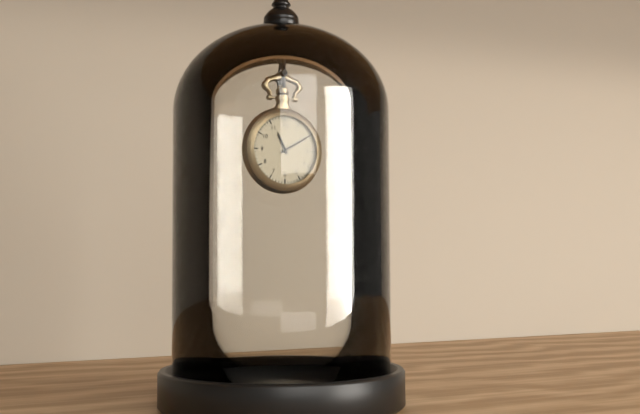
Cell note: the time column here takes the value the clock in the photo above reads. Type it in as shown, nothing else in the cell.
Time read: 11:10
